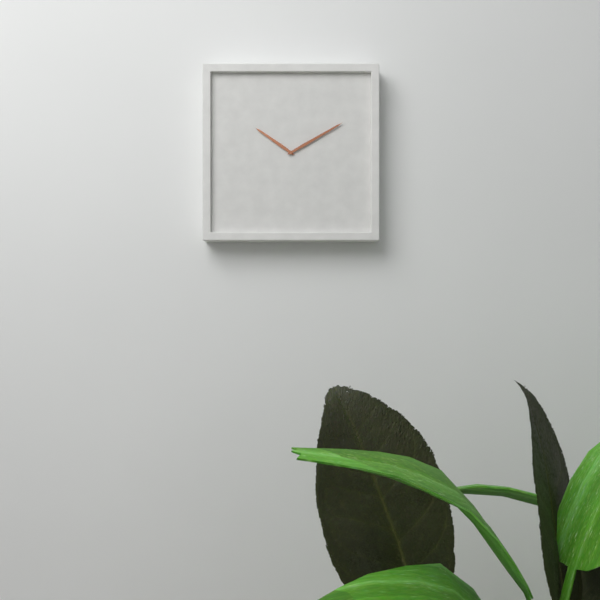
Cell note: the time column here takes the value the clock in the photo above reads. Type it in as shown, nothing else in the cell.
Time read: 10:10
